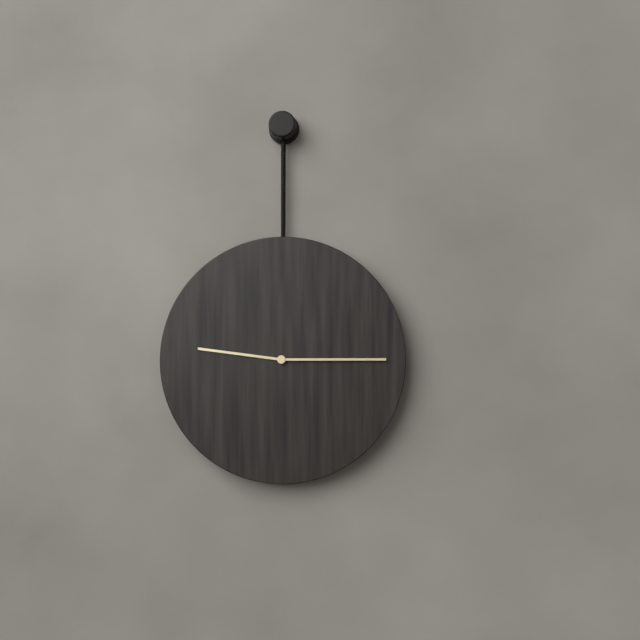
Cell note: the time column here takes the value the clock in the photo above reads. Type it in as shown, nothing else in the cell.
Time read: 9:15
